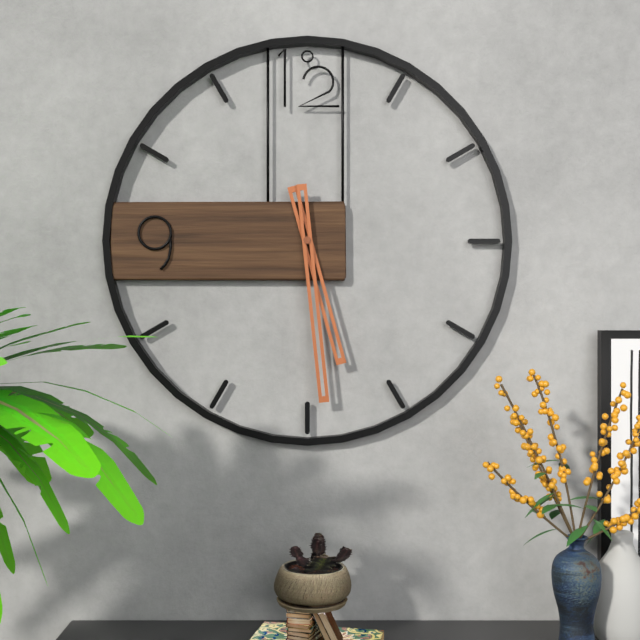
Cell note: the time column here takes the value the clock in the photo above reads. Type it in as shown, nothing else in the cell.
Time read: 5:29
